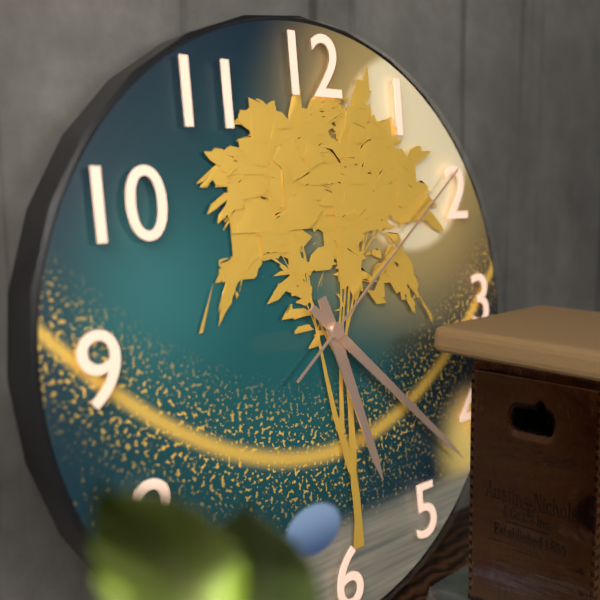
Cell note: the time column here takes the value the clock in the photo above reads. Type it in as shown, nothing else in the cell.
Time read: 5:22:09
